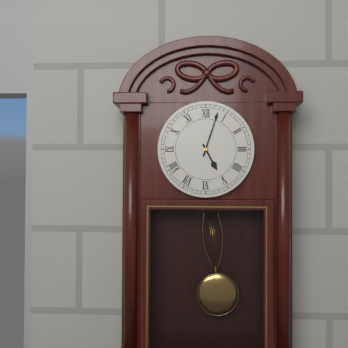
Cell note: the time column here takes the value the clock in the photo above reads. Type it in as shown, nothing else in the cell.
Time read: 5:03
